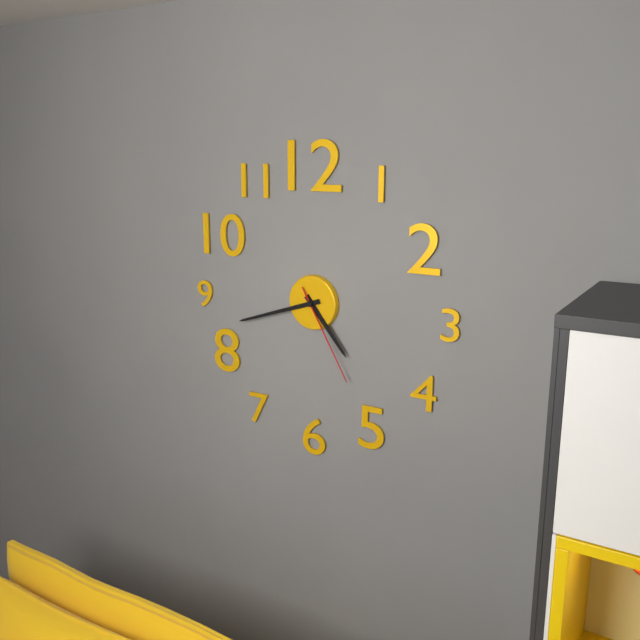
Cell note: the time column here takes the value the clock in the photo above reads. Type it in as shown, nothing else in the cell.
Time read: 4:42:25
